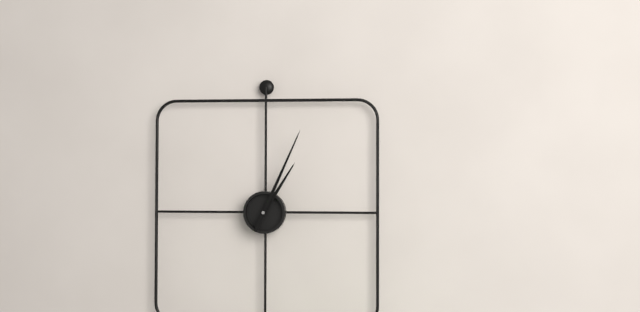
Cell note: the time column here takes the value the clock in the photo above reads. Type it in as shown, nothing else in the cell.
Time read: 1:04
